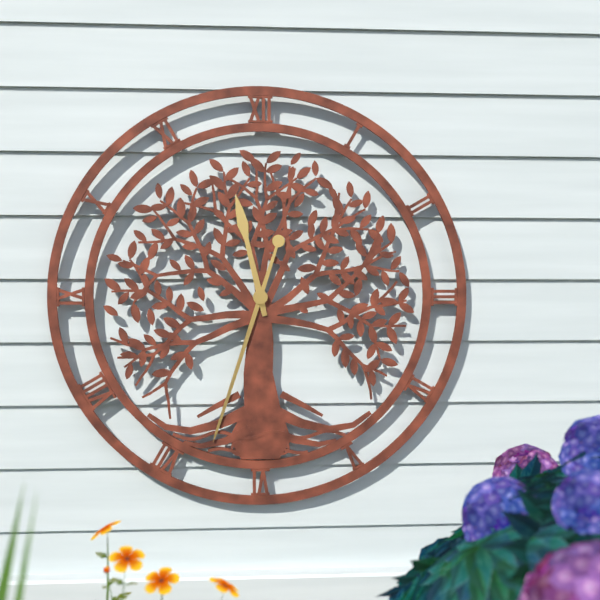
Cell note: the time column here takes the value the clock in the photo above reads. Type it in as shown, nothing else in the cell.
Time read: 11:33
